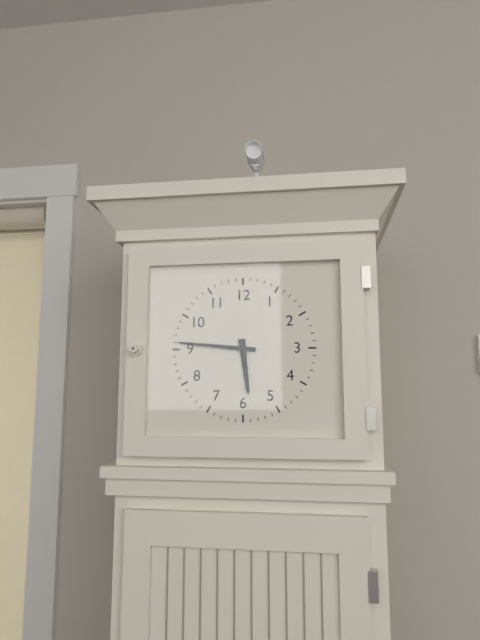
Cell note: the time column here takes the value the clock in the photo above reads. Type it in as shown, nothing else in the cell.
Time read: 5:46
